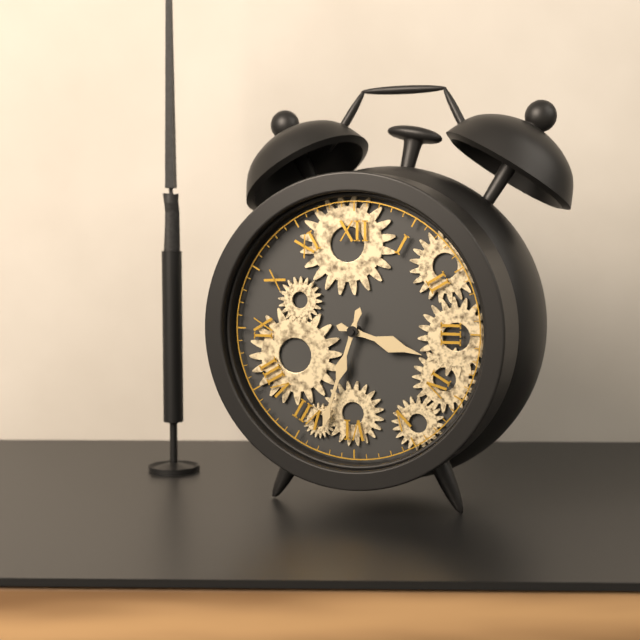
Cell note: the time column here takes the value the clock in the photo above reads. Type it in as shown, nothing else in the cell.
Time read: 3:33
